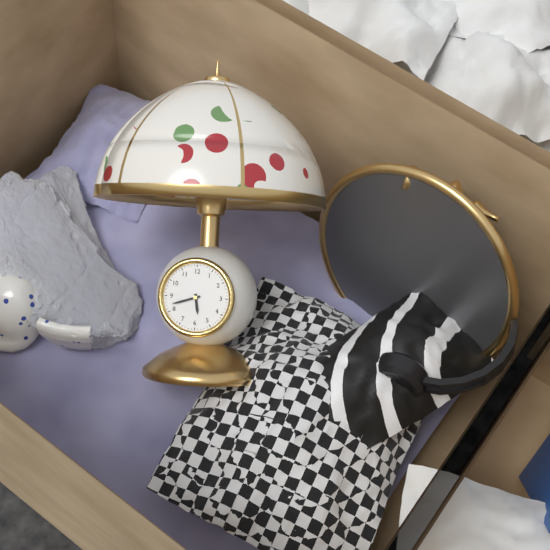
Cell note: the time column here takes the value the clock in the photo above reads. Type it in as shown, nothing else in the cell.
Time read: 5:42
